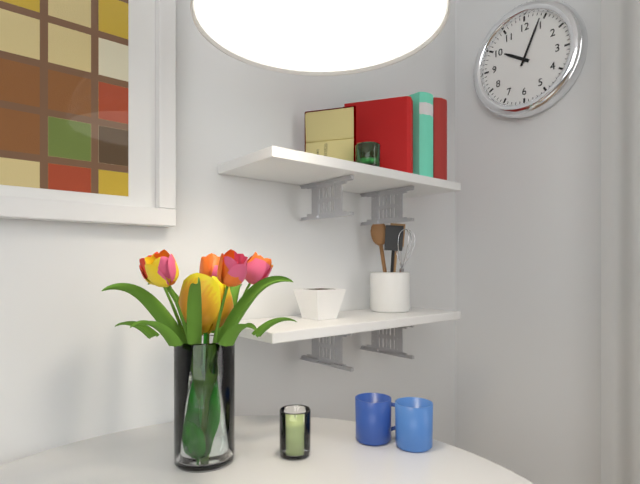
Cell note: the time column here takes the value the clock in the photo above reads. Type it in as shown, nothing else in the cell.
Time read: 10:04
